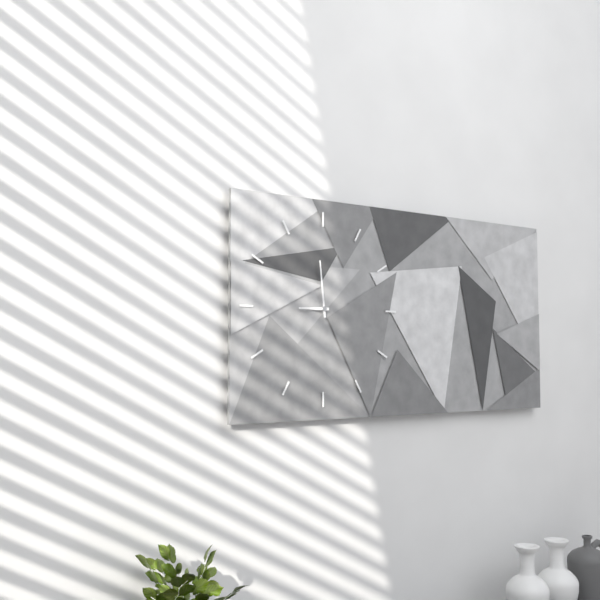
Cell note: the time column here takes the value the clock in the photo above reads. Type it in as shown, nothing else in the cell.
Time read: 8:59
